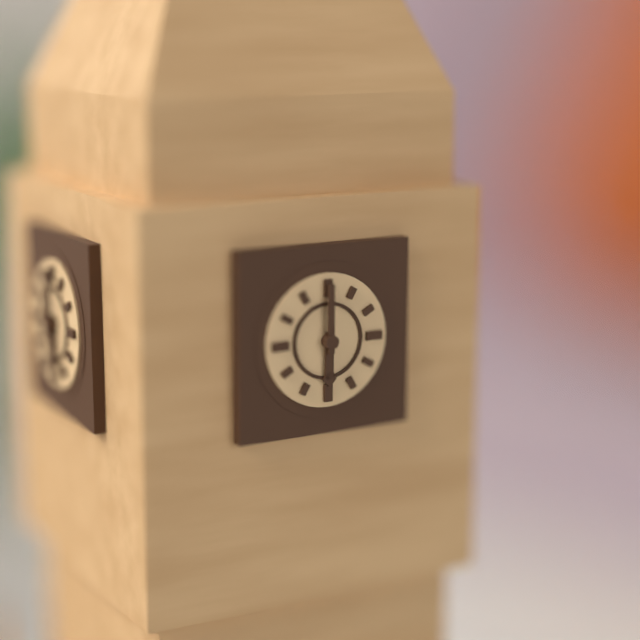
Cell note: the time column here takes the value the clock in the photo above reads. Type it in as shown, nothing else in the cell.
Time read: 6:00
